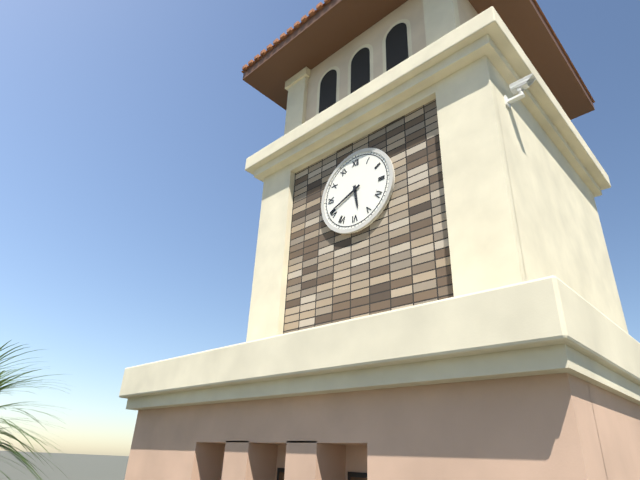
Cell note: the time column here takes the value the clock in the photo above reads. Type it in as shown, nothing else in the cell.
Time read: 5:41
